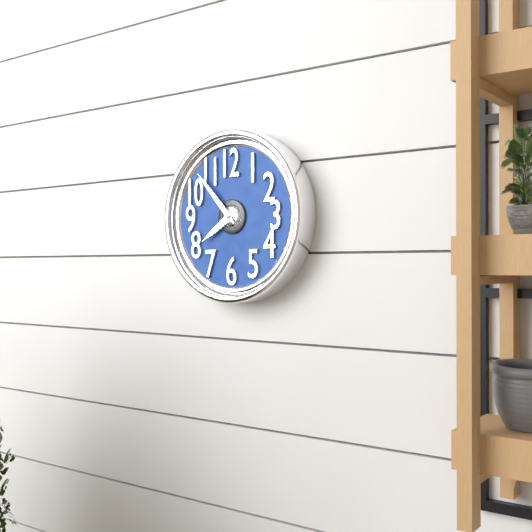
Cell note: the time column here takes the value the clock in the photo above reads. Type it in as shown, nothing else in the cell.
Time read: 7:53
